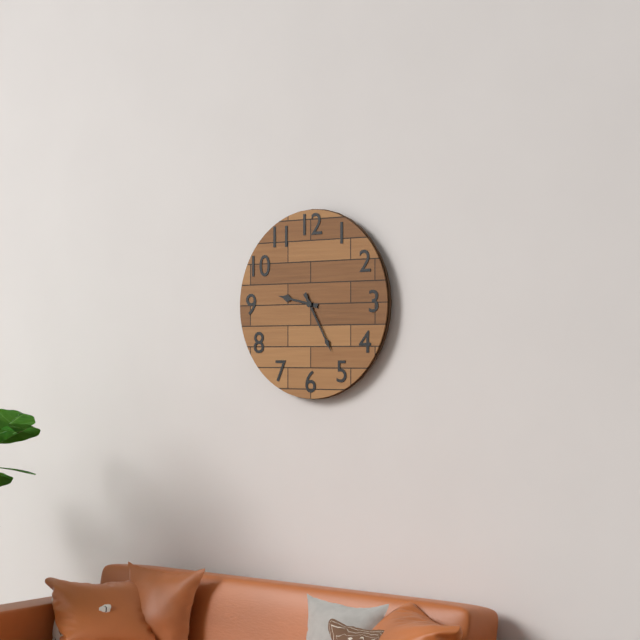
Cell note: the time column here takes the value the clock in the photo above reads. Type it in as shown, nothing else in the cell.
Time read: 9:25
